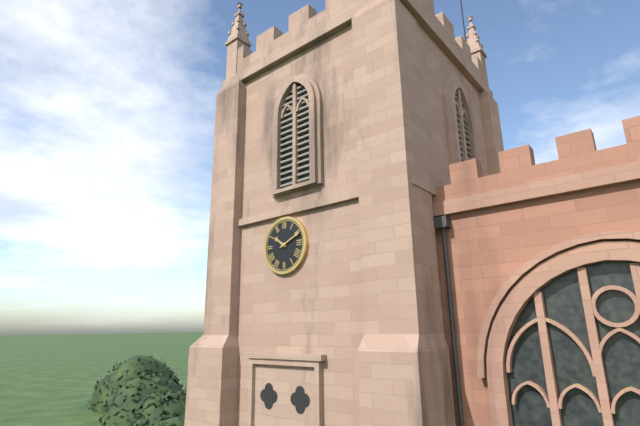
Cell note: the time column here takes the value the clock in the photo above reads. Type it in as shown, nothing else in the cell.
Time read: 10:11
